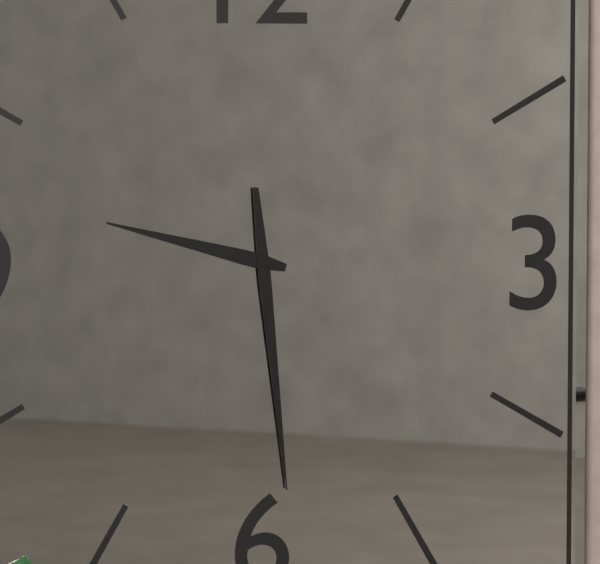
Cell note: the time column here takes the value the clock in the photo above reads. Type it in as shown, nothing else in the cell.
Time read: 9:29
